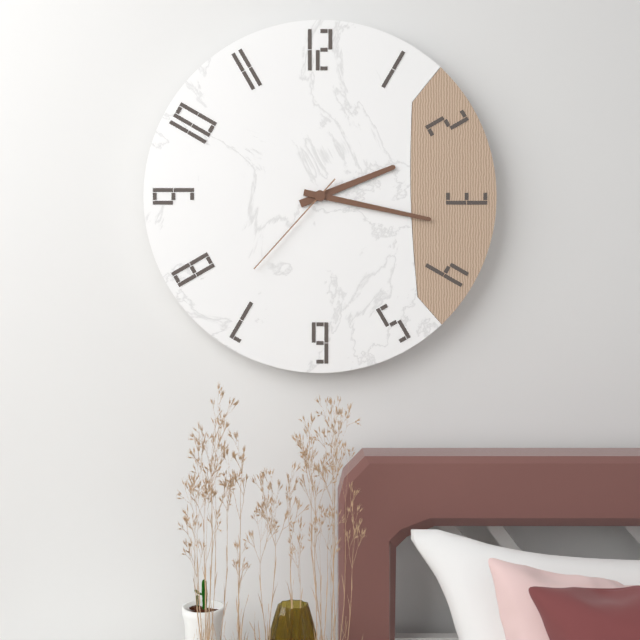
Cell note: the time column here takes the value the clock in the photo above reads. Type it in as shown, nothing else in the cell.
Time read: 2:17:37
